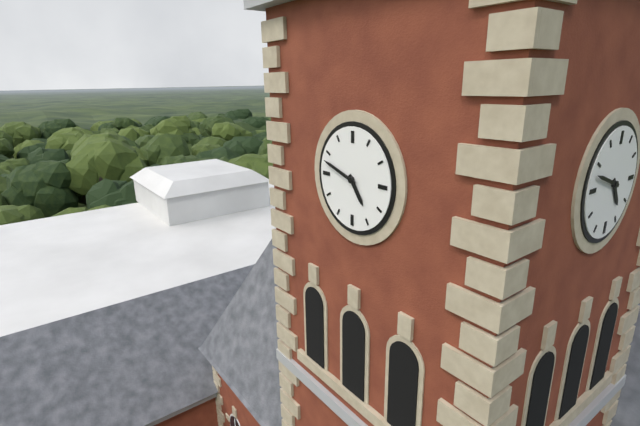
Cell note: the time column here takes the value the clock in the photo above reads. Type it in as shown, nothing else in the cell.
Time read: 4:48
